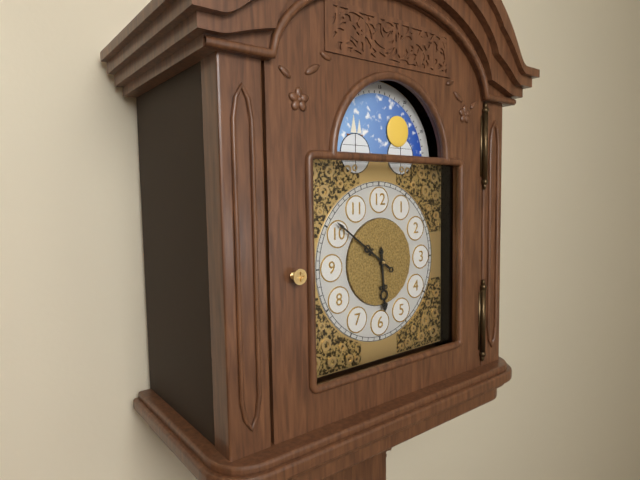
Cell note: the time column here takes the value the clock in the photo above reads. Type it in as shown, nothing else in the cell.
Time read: 5:51
